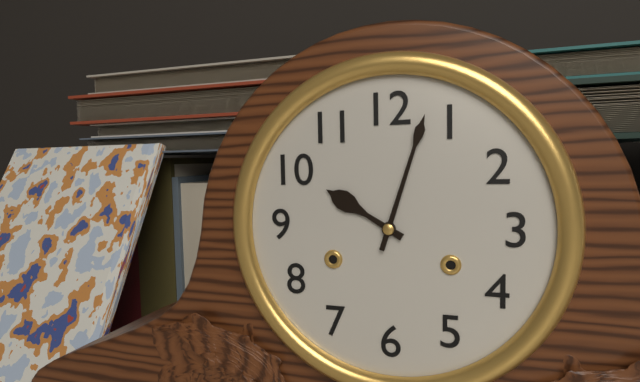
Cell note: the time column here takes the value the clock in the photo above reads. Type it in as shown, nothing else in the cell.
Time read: 10:03
